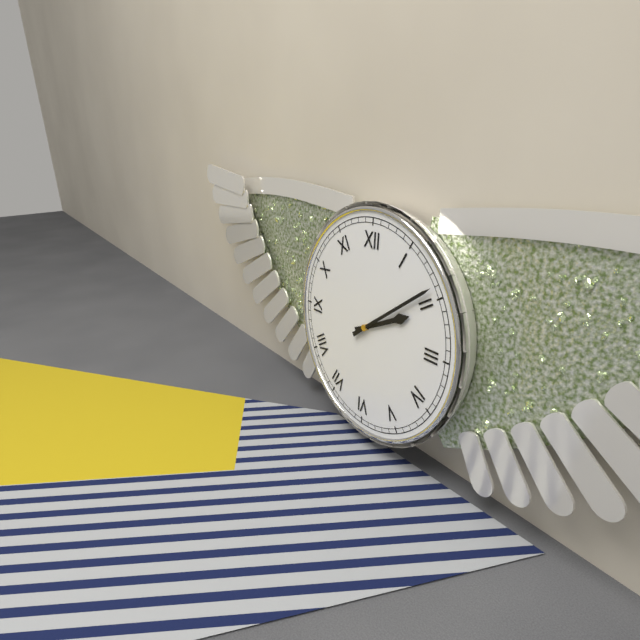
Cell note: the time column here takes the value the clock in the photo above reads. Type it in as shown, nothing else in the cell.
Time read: 2:09
